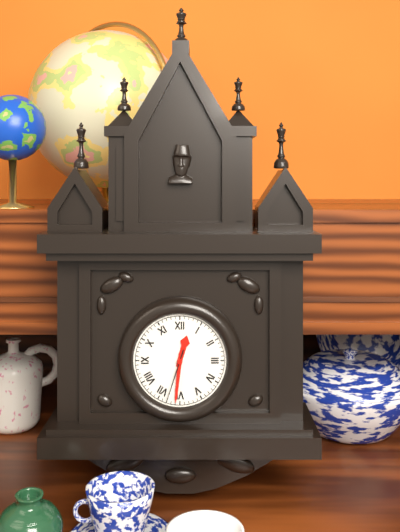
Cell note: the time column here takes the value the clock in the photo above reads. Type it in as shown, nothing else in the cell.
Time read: 12:31:33
